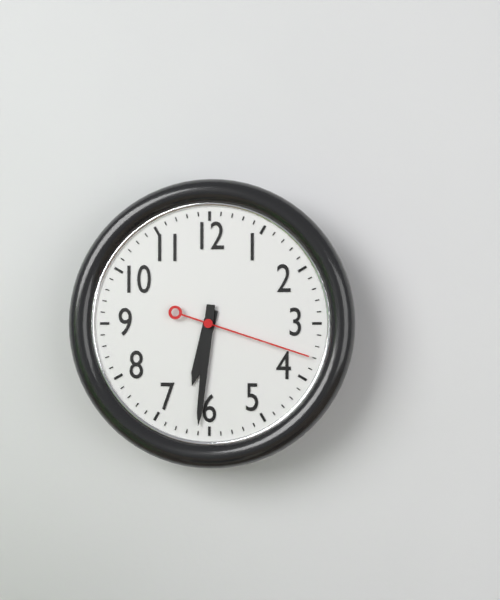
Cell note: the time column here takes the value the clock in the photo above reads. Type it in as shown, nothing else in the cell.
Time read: 6:31:18
